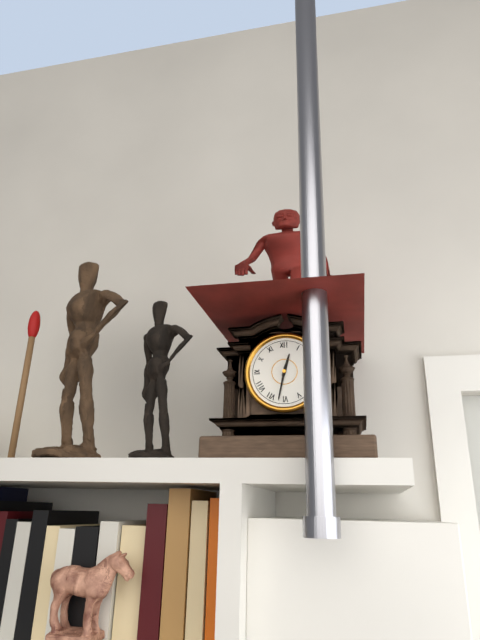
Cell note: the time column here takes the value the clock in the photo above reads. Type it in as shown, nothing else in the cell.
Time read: 12:32
